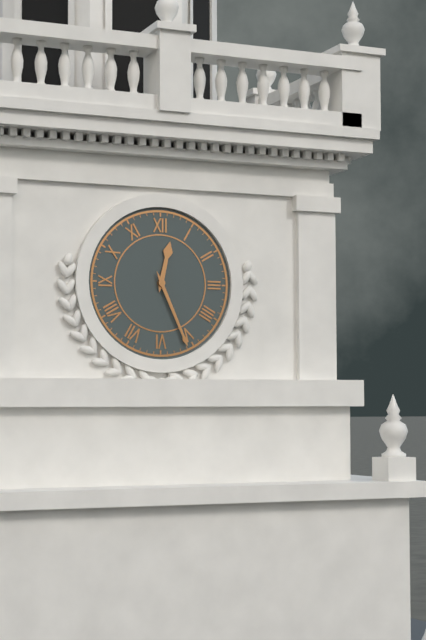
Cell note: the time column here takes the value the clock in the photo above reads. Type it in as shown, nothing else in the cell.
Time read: 12:26
